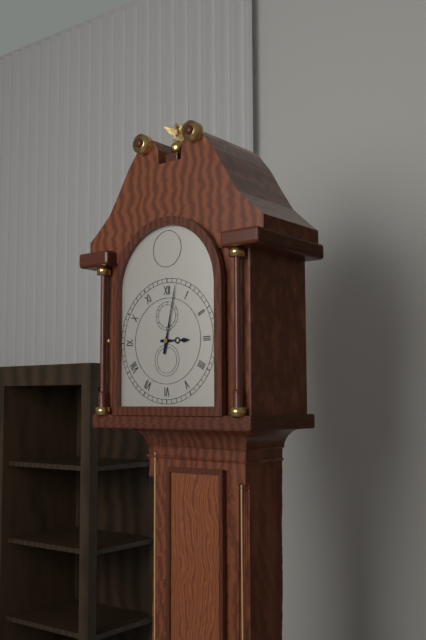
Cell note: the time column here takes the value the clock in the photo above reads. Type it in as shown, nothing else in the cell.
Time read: 3:02
